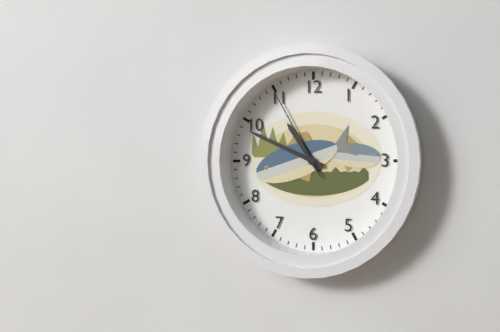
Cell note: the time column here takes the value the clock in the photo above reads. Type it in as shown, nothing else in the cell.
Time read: 10:49:55
